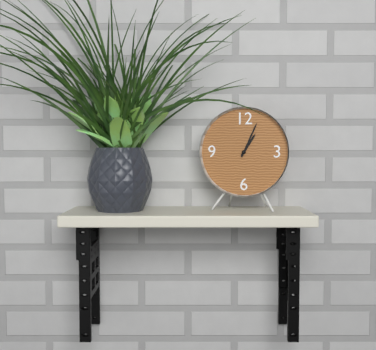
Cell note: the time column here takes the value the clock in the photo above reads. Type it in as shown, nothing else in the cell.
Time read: 1:04
